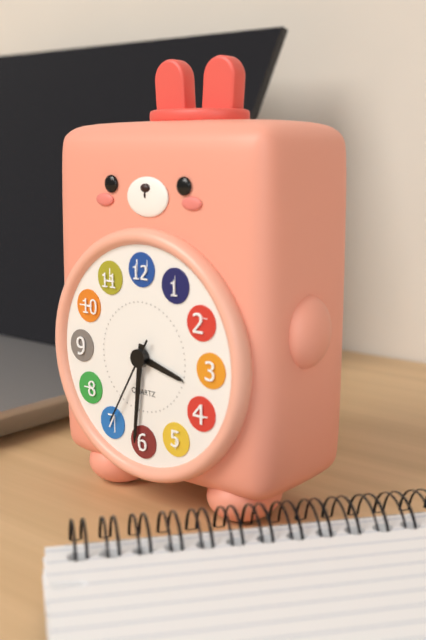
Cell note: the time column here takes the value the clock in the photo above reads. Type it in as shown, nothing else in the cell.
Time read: 3:31:35
